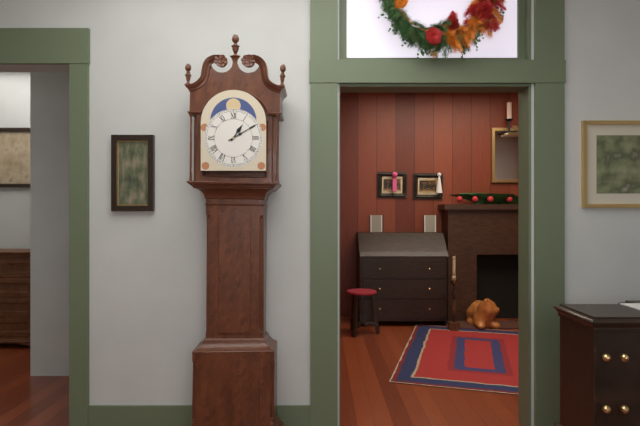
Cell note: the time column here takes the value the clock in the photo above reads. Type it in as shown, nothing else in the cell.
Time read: 1:10
